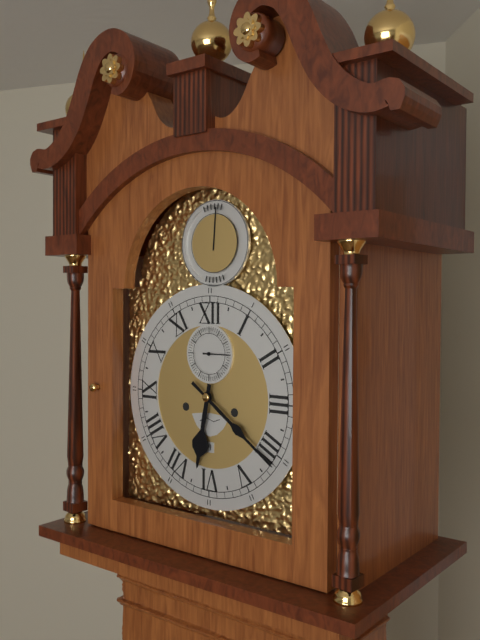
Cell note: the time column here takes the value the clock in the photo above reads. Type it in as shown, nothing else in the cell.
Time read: 6:21
